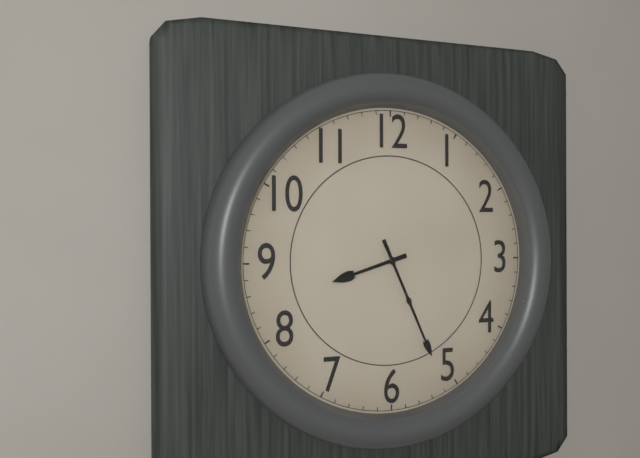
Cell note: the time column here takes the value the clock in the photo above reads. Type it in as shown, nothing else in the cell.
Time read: 8:26
